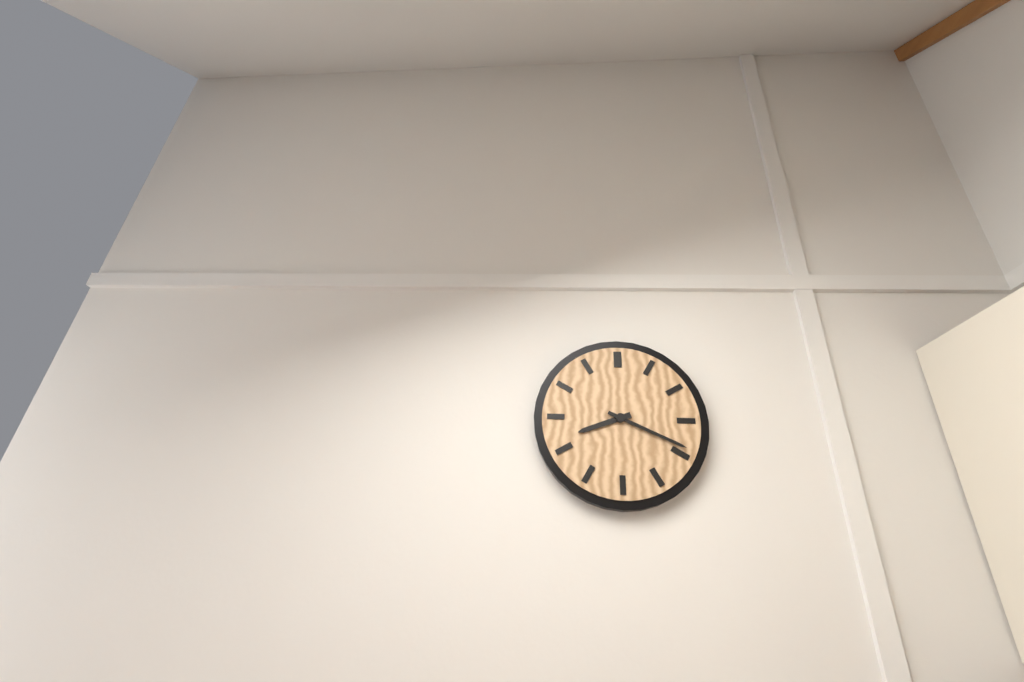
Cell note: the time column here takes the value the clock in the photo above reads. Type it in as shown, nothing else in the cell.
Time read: 8:19
